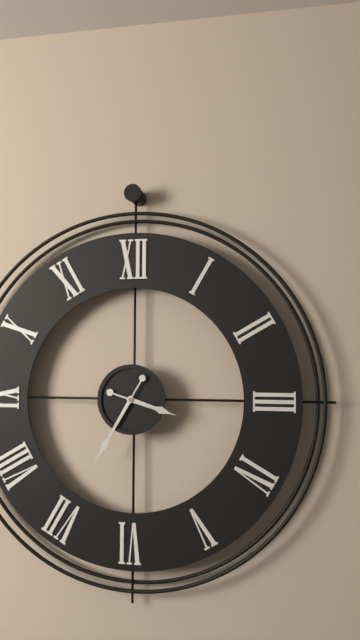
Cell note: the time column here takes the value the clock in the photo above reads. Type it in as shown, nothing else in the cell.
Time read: 3:35
